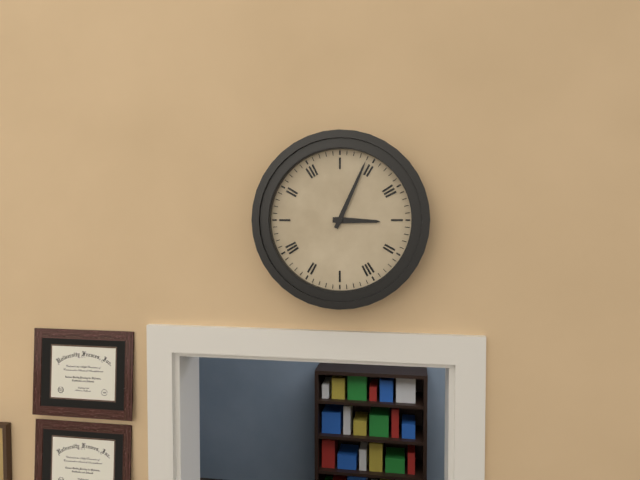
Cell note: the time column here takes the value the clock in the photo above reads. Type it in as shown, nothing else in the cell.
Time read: 3:04
